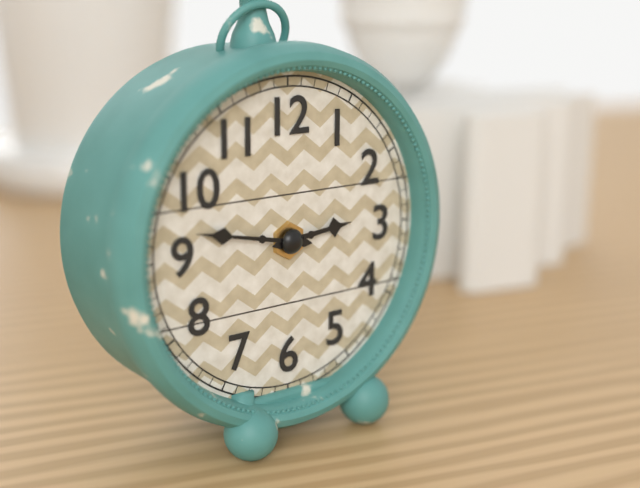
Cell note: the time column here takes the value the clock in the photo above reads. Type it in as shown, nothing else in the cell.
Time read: 2:47
